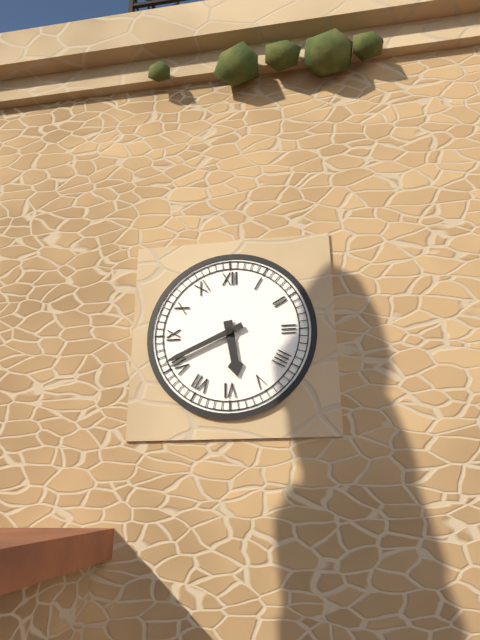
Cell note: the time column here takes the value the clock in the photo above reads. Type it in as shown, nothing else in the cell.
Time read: 5:41
